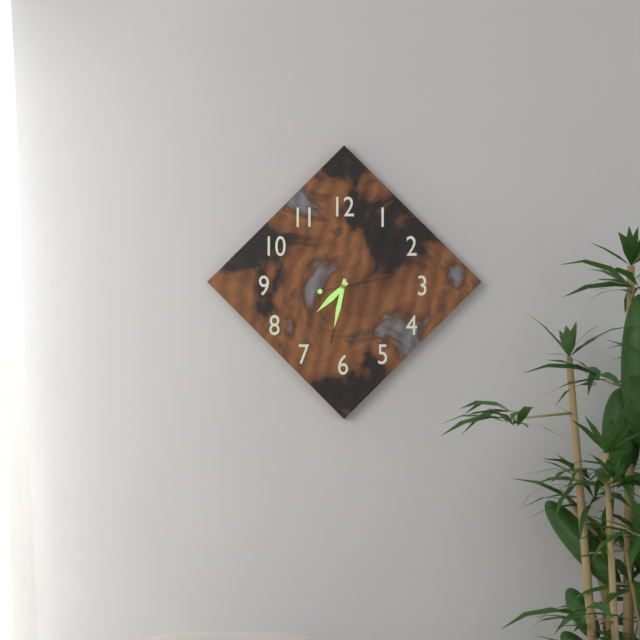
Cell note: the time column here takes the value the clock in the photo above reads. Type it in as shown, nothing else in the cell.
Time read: 7:32:13
